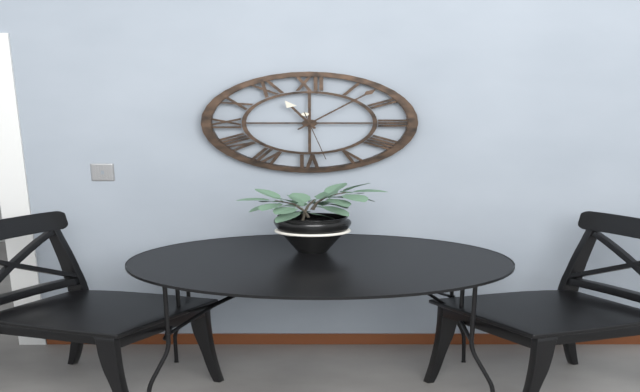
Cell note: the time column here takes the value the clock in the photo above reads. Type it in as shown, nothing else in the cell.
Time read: 11:07
